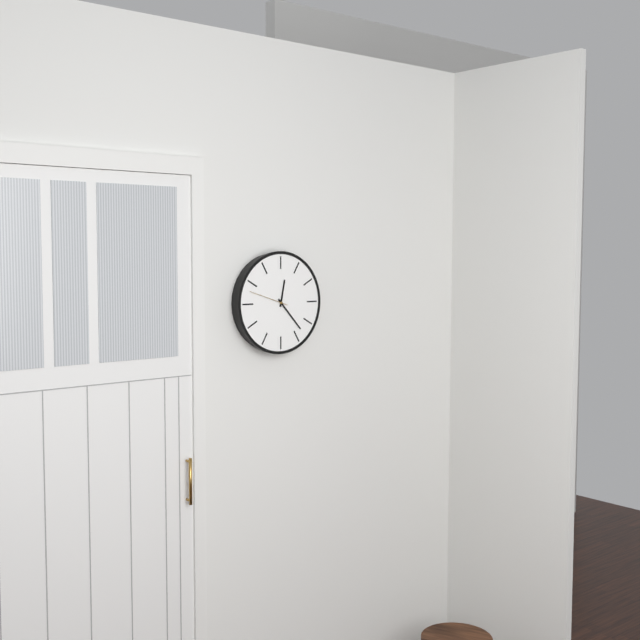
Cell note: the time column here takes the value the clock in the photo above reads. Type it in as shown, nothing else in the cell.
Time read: 12:23
